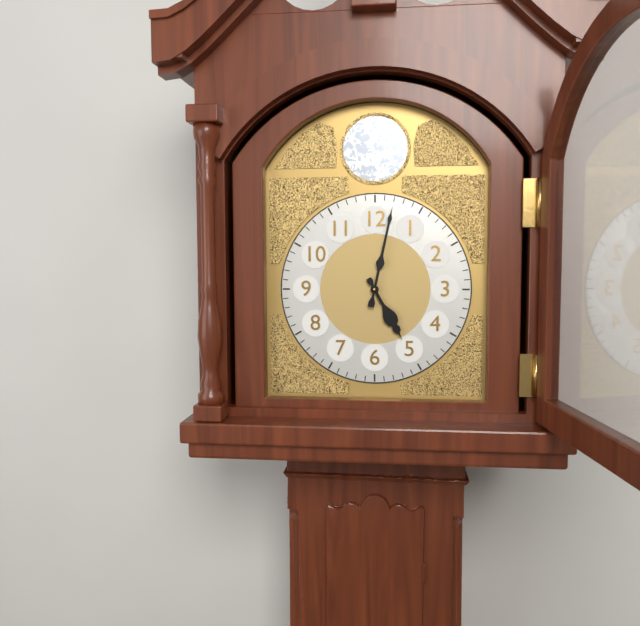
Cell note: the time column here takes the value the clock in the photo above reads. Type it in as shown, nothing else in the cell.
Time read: 5:02
